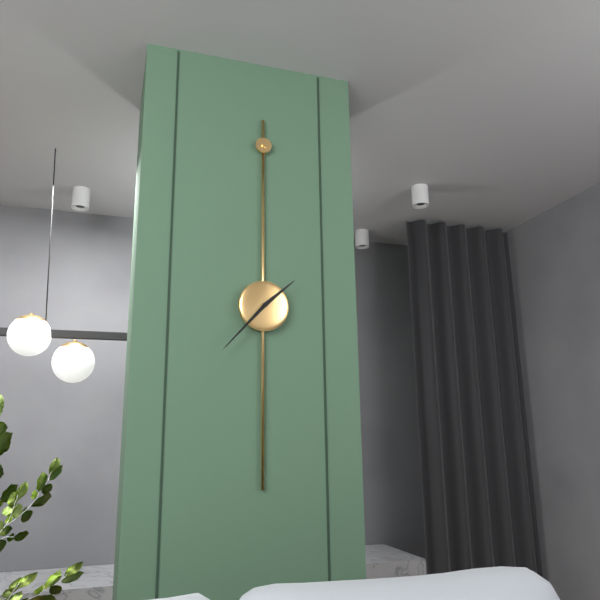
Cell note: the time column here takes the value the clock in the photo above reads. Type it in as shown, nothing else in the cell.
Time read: 1:37
